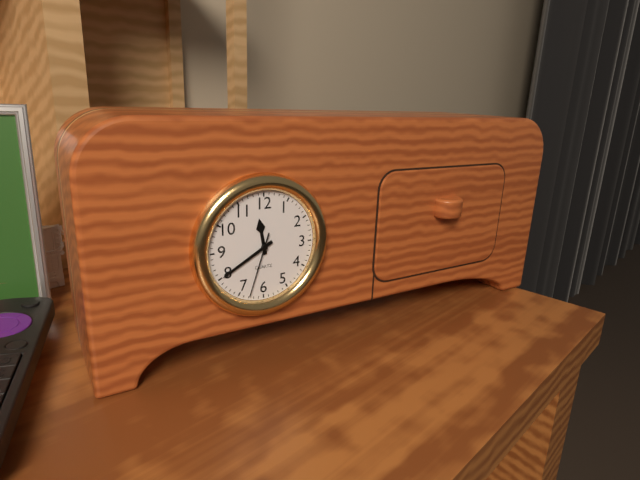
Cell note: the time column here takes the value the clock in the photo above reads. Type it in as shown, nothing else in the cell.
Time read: 11:40:33
